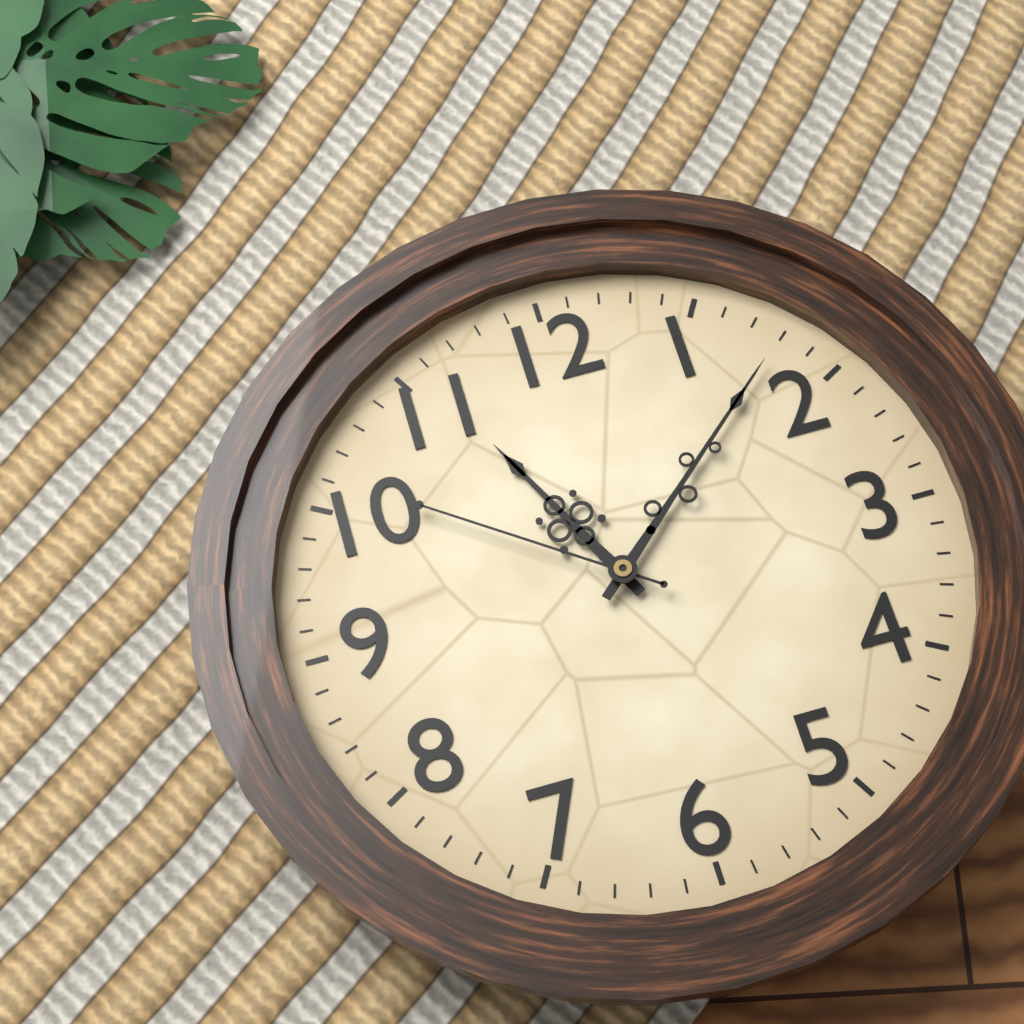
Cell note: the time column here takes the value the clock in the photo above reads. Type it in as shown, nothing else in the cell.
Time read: 11:08:51
